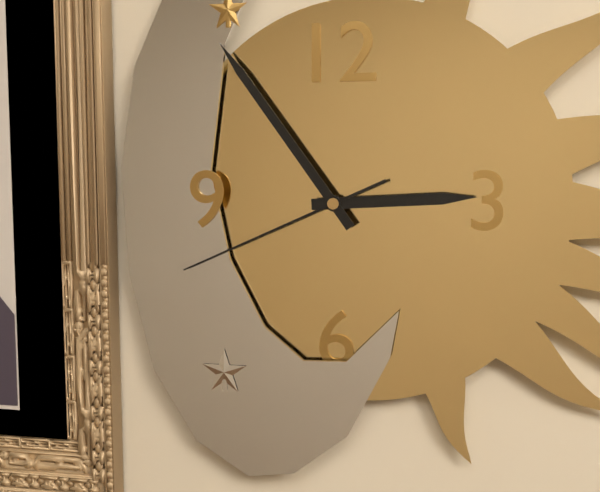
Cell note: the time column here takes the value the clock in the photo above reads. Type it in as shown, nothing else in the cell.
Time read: 2:54:41
